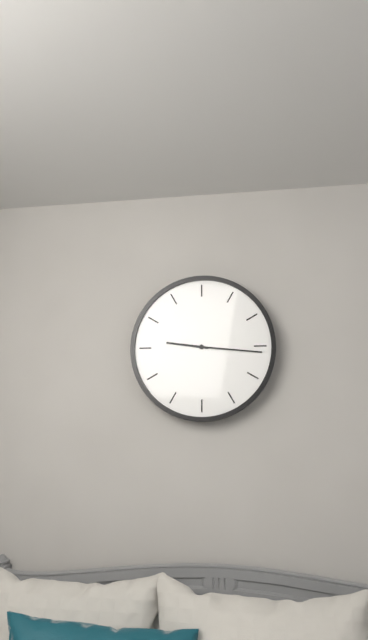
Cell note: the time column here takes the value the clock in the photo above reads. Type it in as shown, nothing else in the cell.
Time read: 9:16
